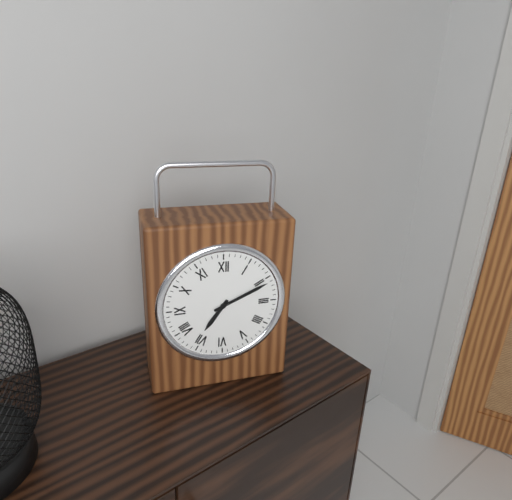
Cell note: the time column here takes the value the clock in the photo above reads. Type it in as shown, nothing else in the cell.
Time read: 7:11
